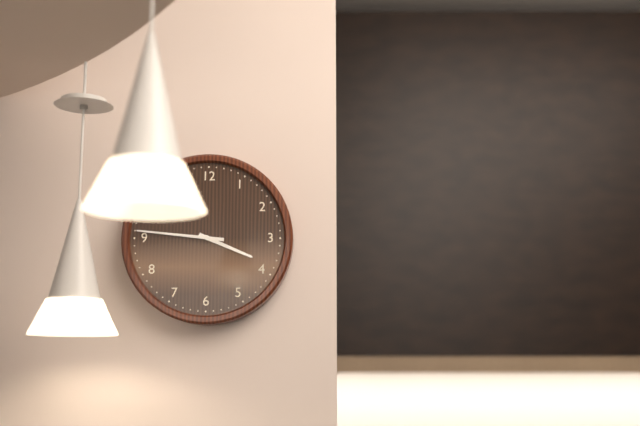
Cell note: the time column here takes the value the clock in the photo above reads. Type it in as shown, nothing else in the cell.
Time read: 3:46
